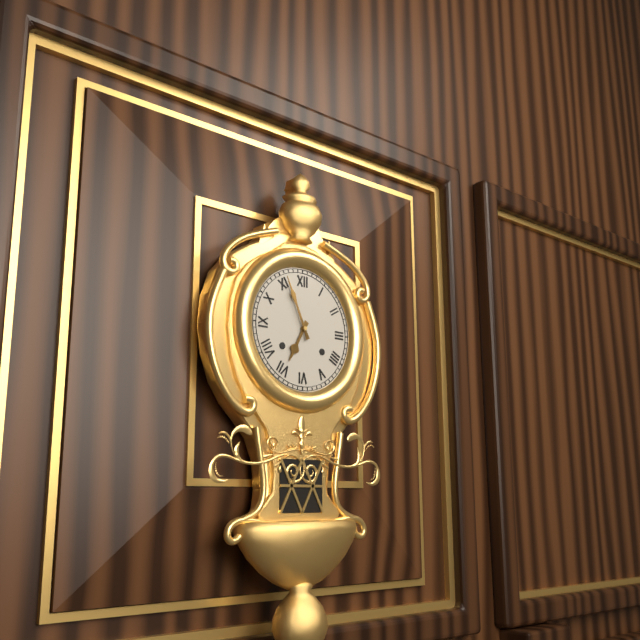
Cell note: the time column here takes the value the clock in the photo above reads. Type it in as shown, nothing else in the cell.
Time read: 6:56
